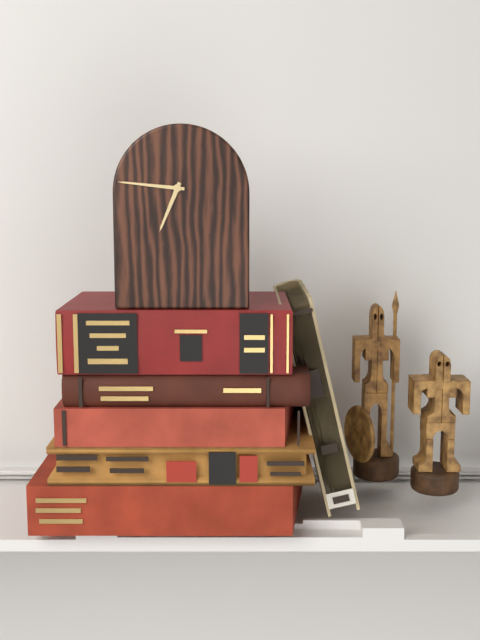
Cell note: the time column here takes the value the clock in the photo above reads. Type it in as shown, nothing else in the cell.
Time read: 6:46
